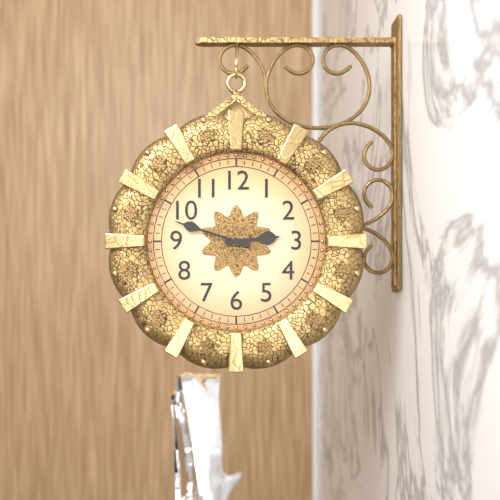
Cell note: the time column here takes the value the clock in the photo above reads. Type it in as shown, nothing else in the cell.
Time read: 2:48
